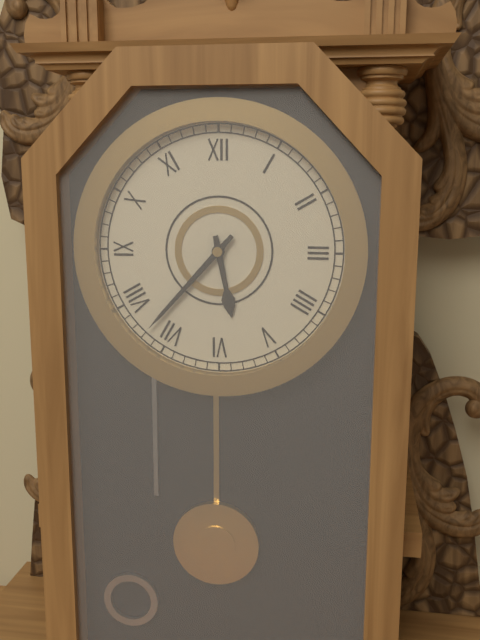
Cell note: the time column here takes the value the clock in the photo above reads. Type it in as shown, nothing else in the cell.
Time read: 5:37
